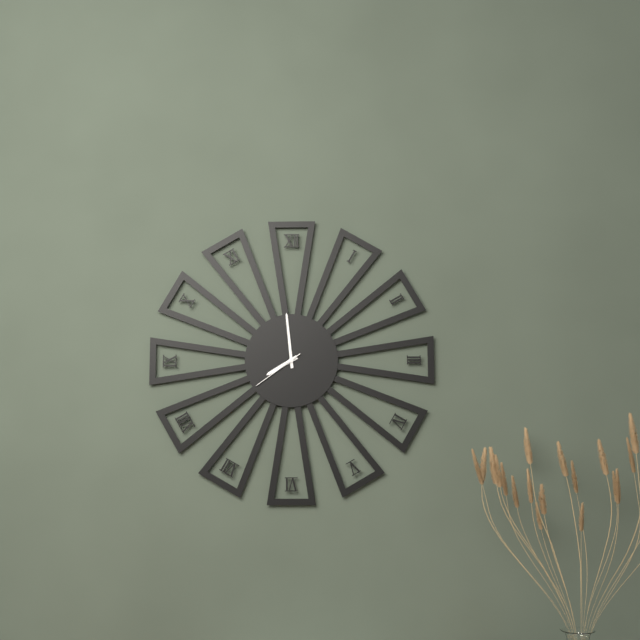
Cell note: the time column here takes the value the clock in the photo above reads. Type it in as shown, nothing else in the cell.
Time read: 7:59:39
